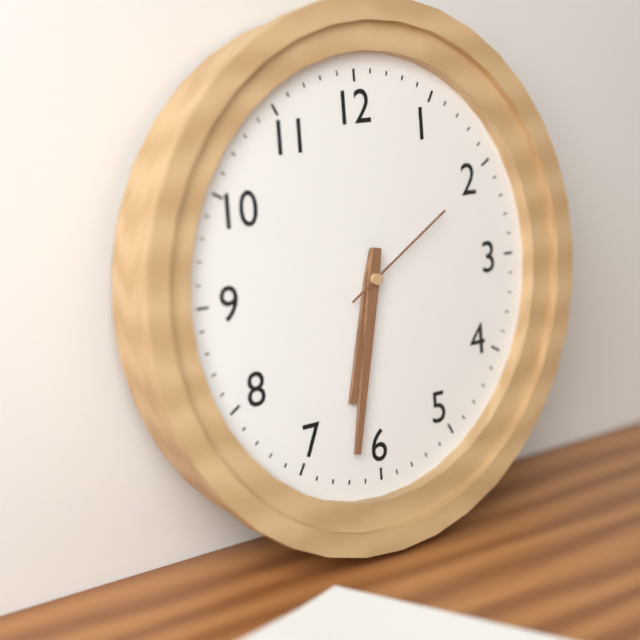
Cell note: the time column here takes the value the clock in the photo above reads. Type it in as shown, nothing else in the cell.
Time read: 6:32:10
